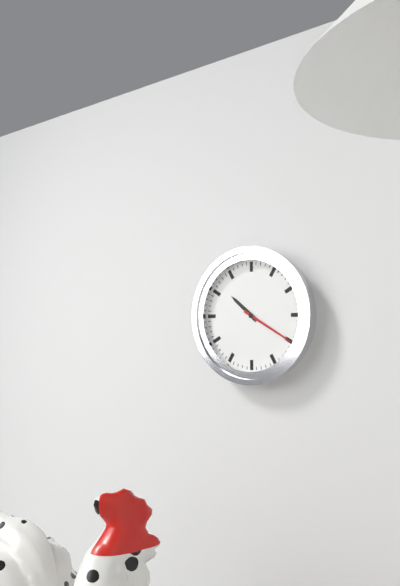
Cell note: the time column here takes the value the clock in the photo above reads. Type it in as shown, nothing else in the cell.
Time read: 10:20
